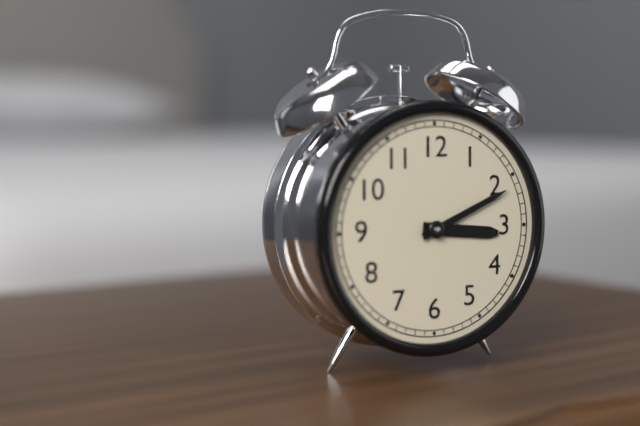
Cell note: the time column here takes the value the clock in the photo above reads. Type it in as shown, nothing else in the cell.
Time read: 3:11
